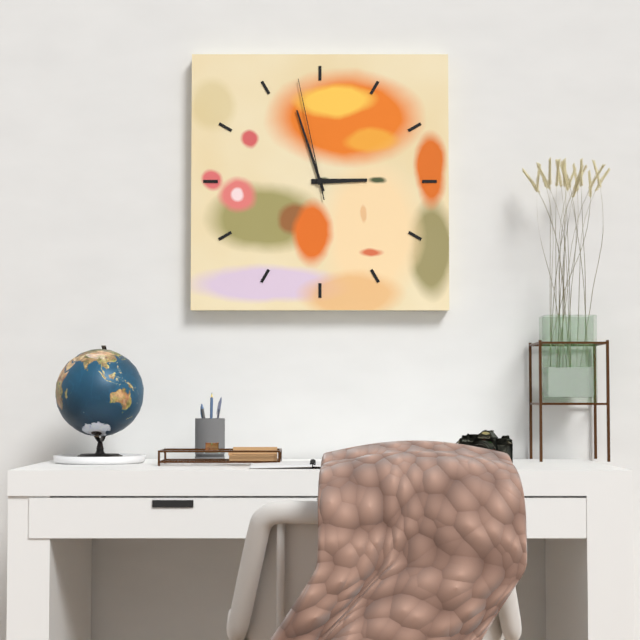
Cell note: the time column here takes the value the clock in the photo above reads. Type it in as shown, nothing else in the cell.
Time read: 2:57:58
